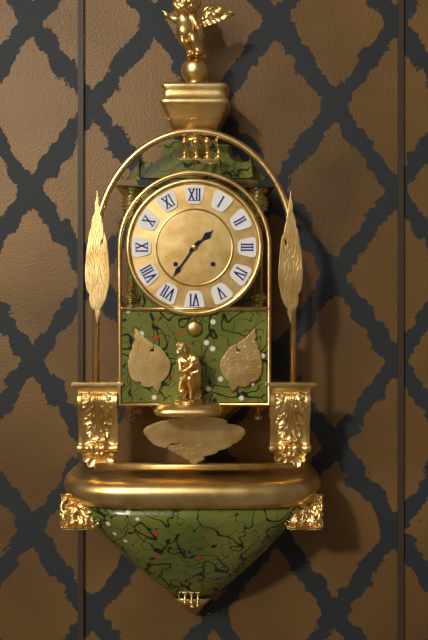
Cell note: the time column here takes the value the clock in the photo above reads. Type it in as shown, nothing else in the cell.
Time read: 1:36
